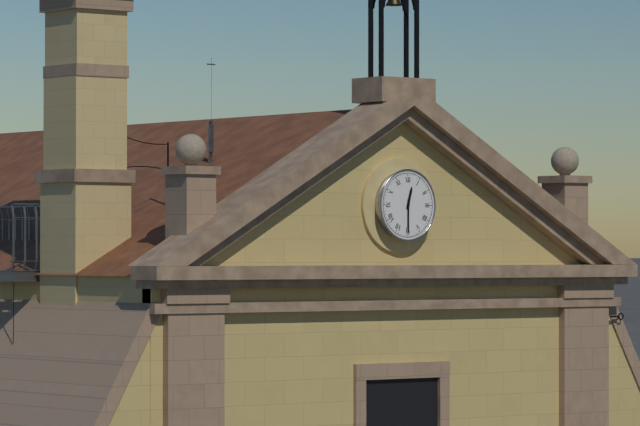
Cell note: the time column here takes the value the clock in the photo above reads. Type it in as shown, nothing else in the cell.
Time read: 12:30
